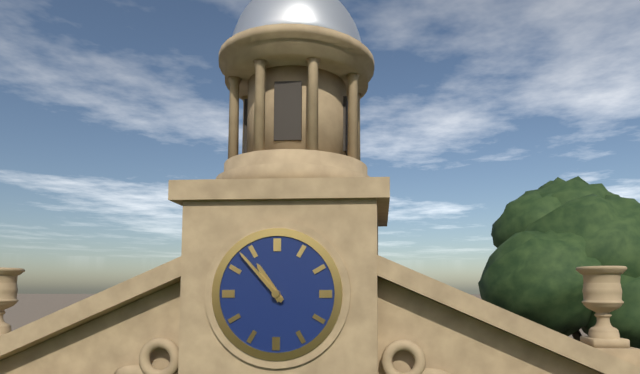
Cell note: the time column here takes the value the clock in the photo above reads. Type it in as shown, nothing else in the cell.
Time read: 10:53
